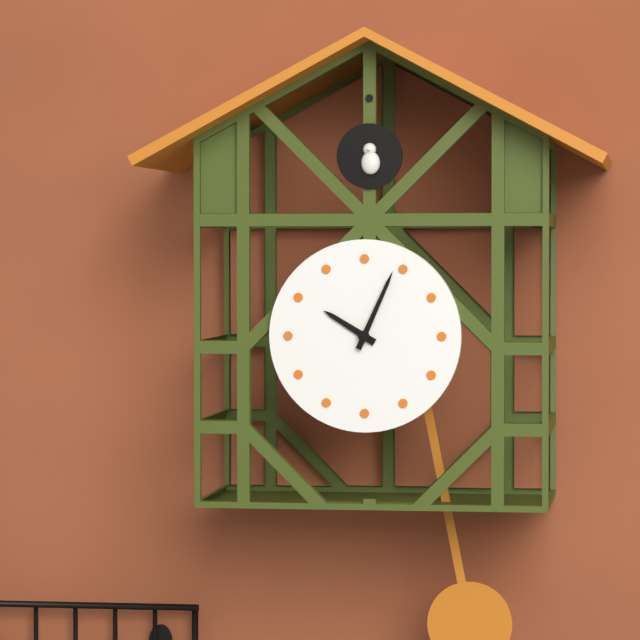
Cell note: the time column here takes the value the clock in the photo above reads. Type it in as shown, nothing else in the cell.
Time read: 10:04
